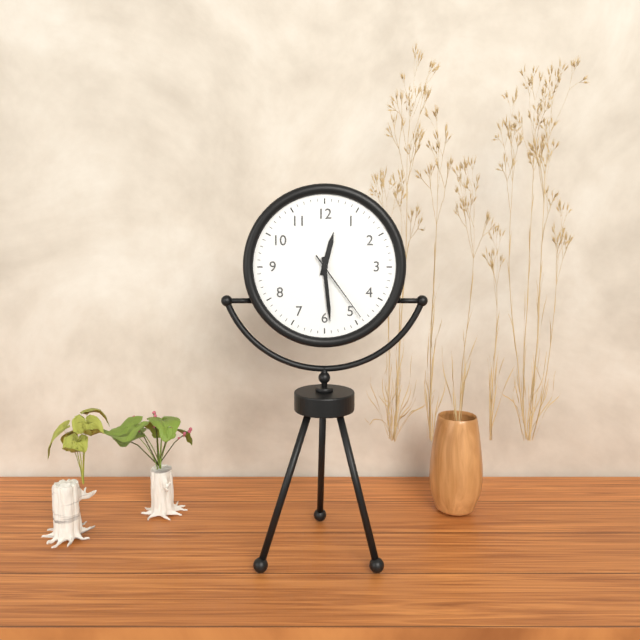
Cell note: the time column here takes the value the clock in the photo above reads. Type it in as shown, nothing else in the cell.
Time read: 12:29:24
